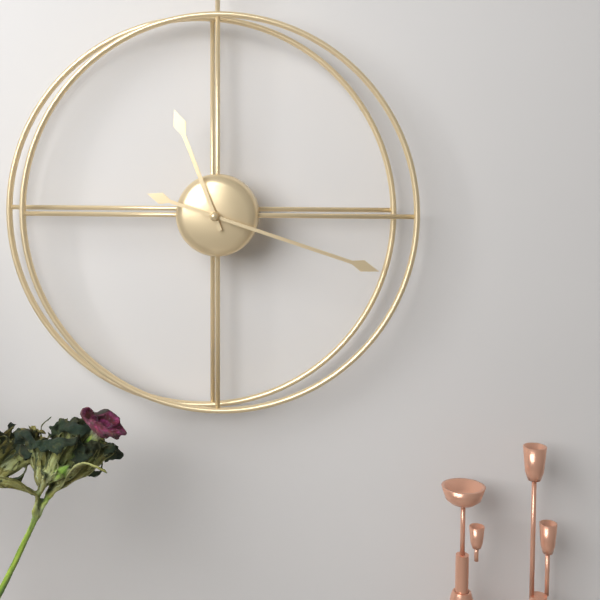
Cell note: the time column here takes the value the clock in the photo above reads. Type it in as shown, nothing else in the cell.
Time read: 11:18
